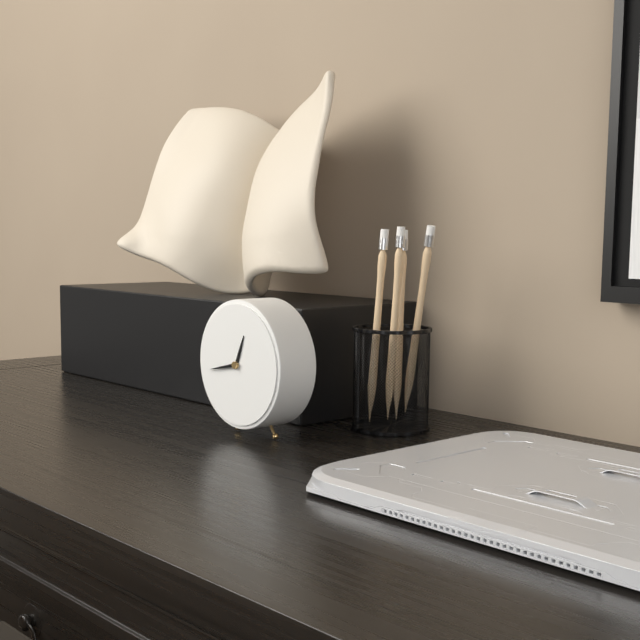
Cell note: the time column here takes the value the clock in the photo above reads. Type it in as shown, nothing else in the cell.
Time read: 12:43
